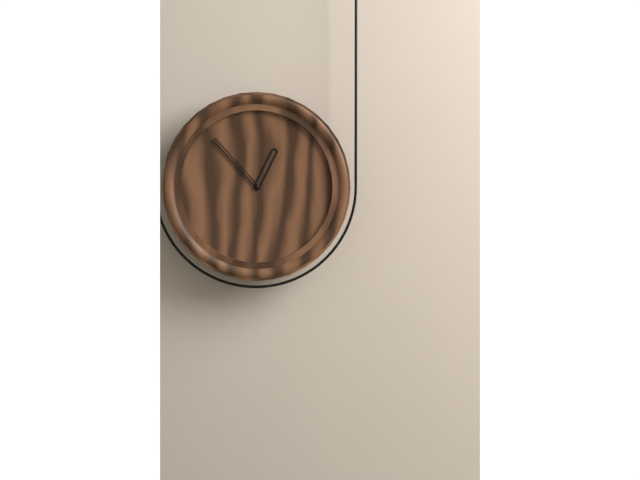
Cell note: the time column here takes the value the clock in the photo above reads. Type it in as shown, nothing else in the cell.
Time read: 12:53
